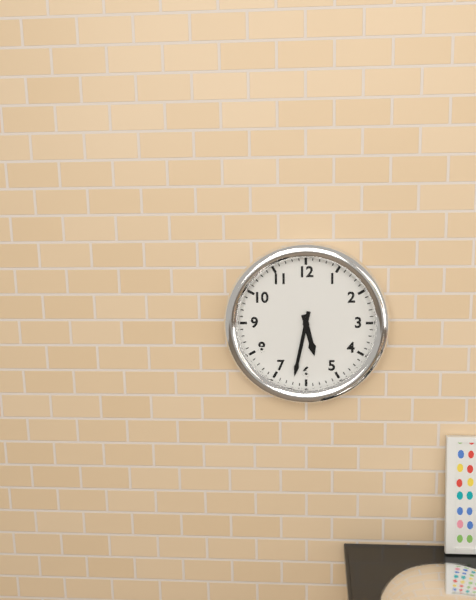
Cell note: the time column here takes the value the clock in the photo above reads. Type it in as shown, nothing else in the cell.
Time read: 5:32
